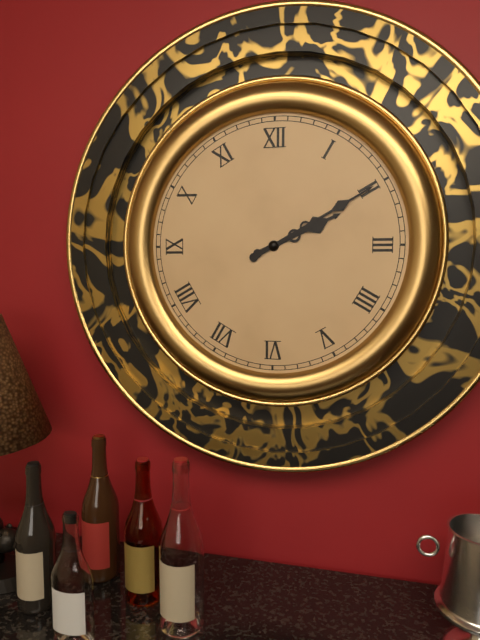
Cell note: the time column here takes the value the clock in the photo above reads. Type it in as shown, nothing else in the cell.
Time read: 2:10
